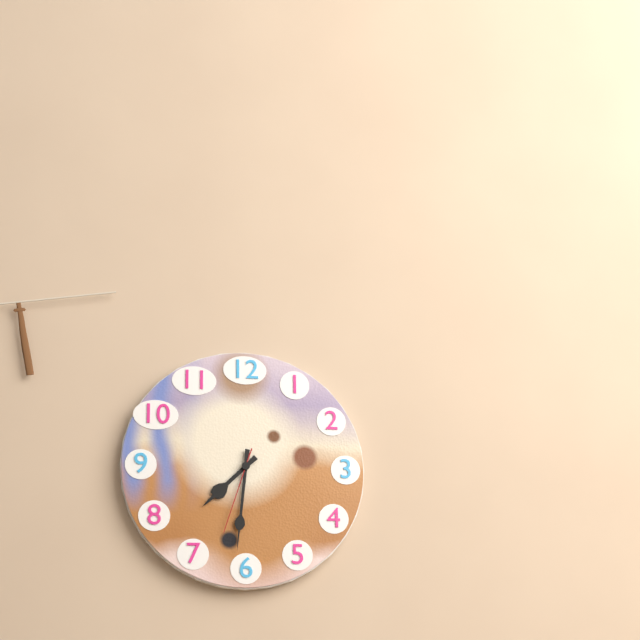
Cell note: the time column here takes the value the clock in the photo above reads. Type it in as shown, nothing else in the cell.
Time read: 7:31:33
